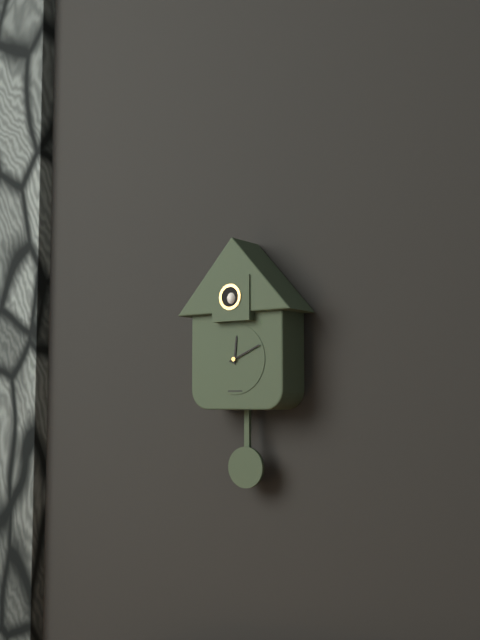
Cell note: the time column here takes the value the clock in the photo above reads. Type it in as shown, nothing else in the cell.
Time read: 12:11
